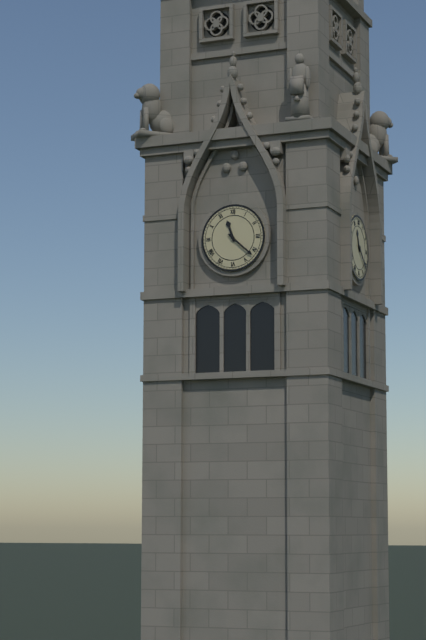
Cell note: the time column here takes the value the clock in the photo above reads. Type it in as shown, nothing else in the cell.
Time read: 11:22
